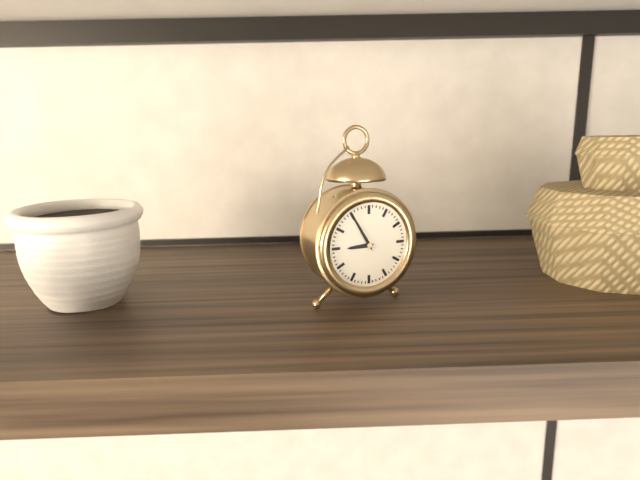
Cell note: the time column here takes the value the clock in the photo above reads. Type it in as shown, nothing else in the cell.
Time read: 8:55
